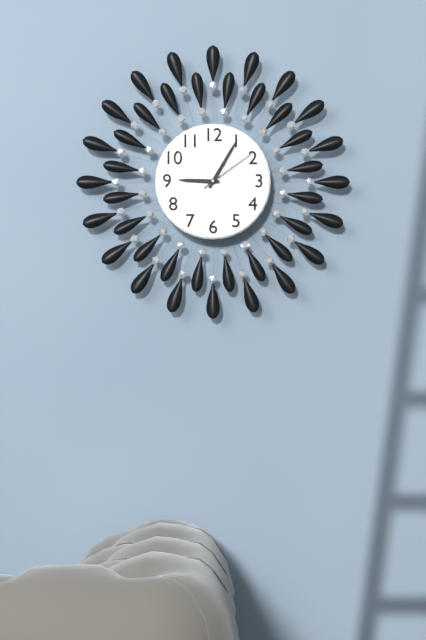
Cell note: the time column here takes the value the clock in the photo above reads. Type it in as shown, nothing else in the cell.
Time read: 9:05:09
